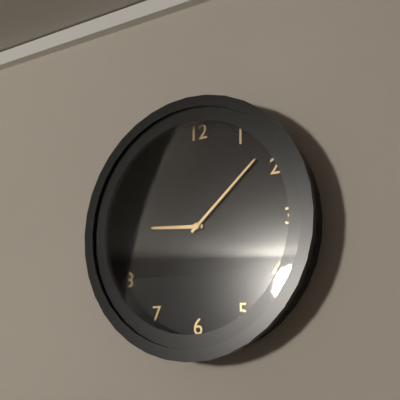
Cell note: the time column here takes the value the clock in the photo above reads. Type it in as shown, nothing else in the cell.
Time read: 9:08
